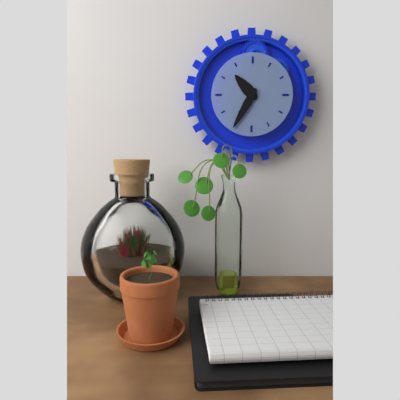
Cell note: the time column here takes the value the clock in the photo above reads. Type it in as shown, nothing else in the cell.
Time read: 10:35
